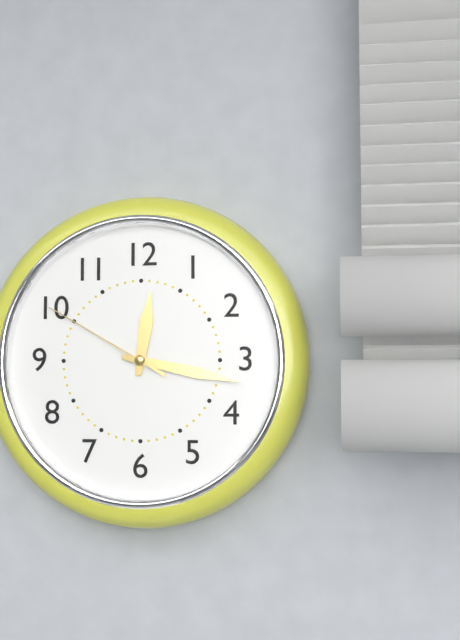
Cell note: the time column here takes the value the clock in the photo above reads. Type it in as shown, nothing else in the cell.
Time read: 12:17:50
